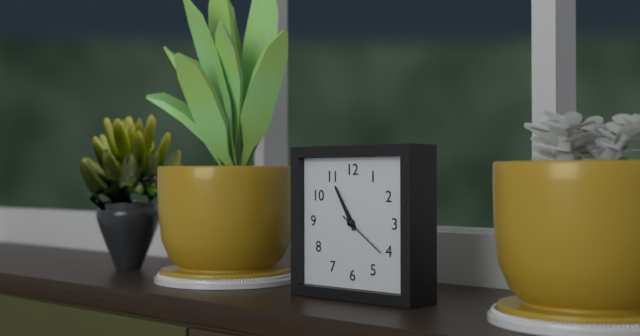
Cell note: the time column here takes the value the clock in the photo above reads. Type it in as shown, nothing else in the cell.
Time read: 10:55:21
